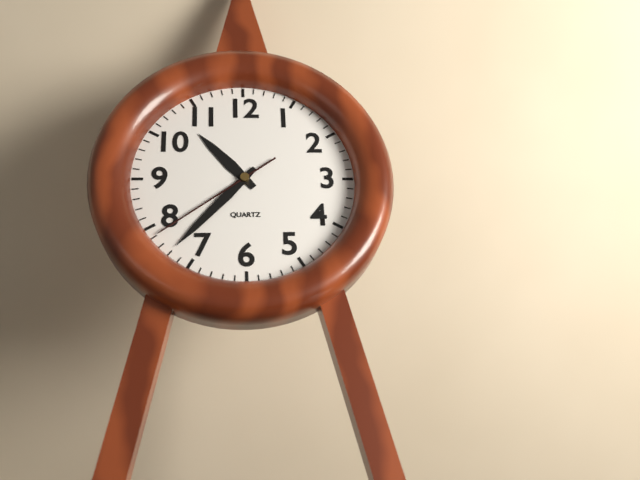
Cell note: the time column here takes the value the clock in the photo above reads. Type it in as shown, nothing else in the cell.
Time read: 10:37:39
